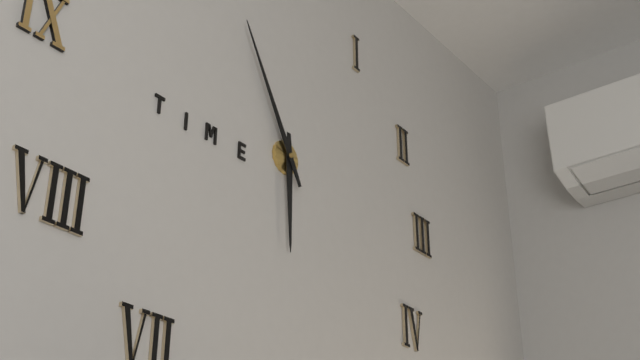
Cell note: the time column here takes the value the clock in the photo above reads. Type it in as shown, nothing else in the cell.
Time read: 5:55
